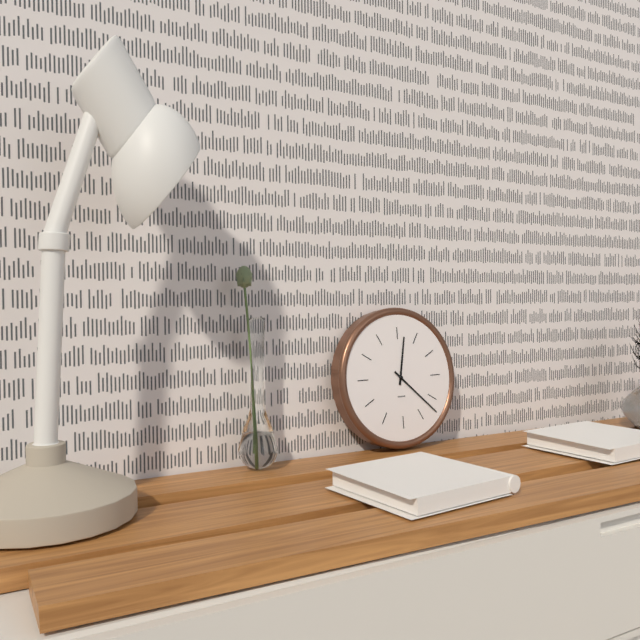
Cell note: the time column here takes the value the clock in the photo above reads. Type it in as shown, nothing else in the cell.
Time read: 12:22
